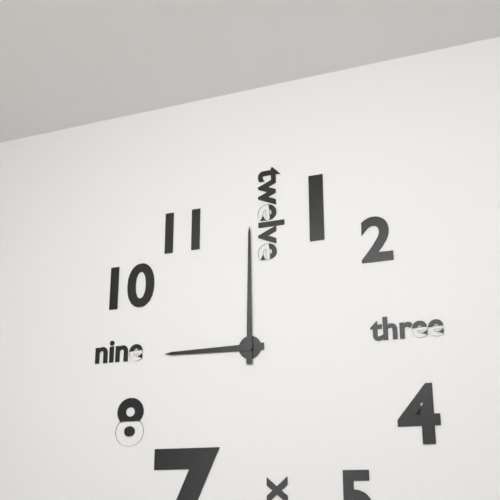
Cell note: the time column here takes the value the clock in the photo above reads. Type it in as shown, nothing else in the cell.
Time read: 9:00
